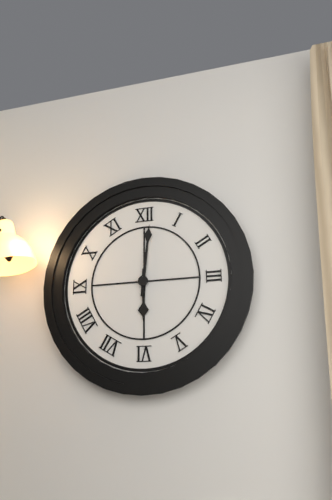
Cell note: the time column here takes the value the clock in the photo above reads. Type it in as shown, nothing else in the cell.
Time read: 6:01
